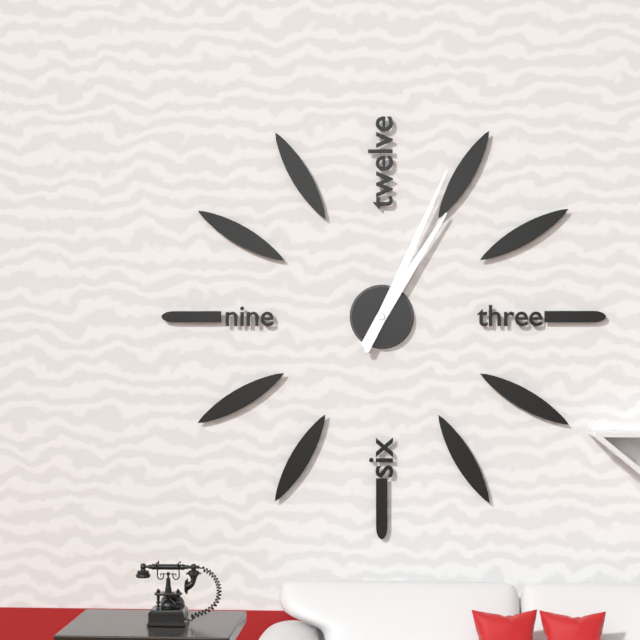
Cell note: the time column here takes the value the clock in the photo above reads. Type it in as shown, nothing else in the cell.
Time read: 1:04
